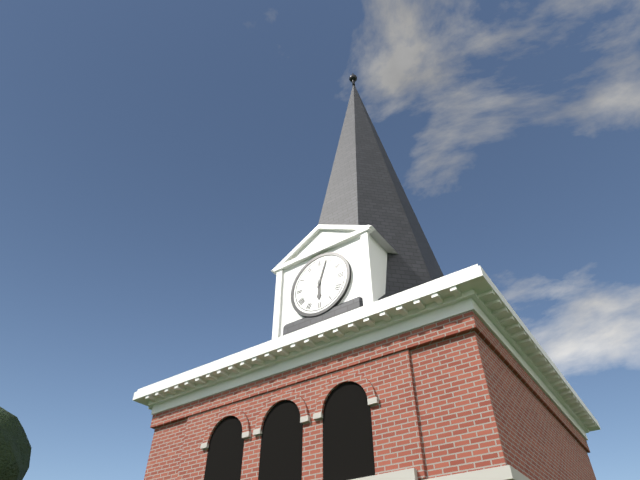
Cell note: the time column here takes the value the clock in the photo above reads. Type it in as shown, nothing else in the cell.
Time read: 6:03
